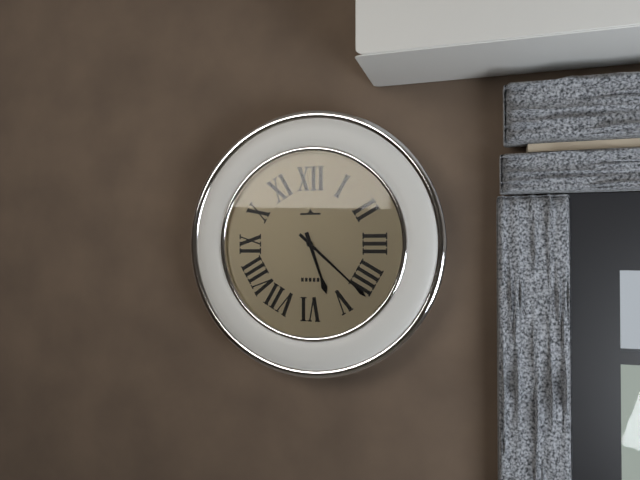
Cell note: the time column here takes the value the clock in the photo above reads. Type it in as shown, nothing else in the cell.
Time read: 5:22
